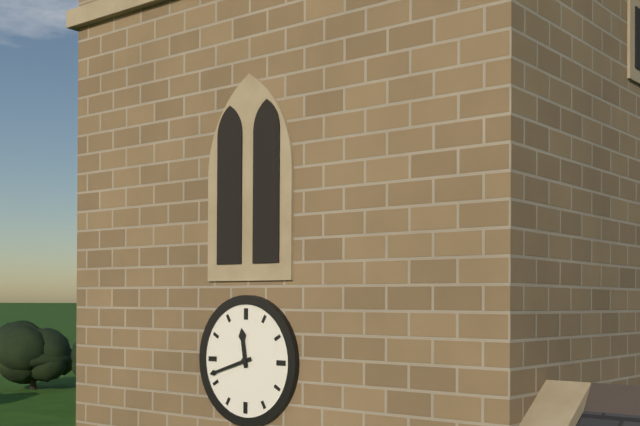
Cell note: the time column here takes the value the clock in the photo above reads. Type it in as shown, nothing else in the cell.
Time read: 11:42
